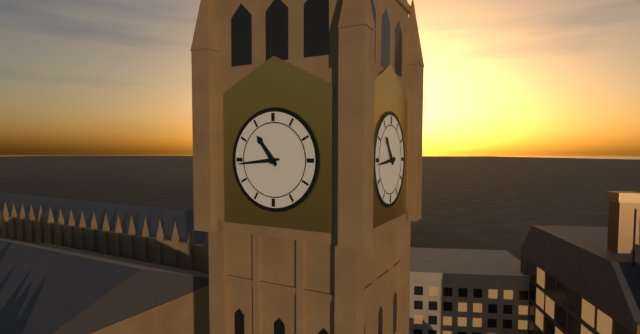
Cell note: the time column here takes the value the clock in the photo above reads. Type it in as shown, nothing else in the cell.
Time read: 10:44
